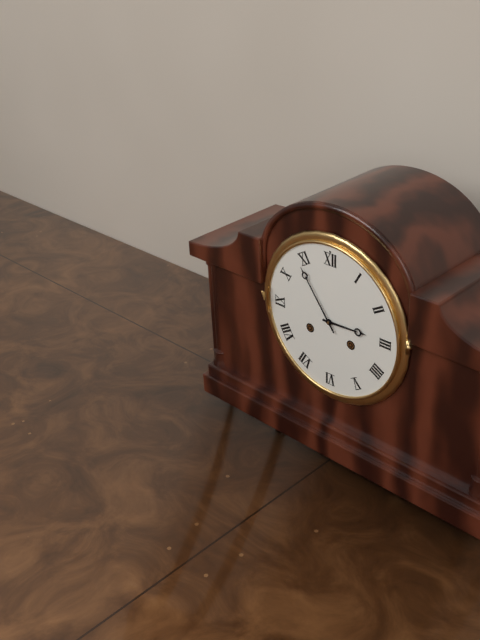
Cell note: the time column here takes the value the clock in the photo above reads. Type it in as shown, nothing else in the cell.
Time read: 2:54
